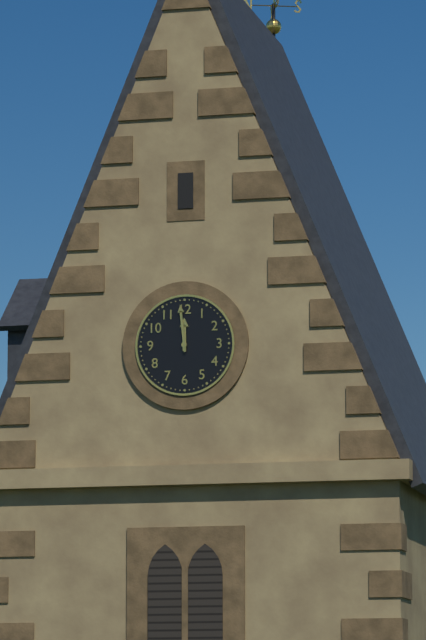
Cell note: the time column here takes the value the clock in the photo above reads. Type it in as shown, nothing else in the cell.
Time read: 11:59
